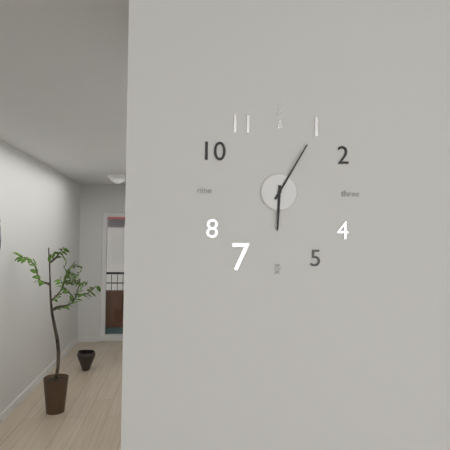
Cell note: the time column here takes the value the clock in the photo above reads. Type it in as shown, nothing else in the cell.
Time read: 6:05
